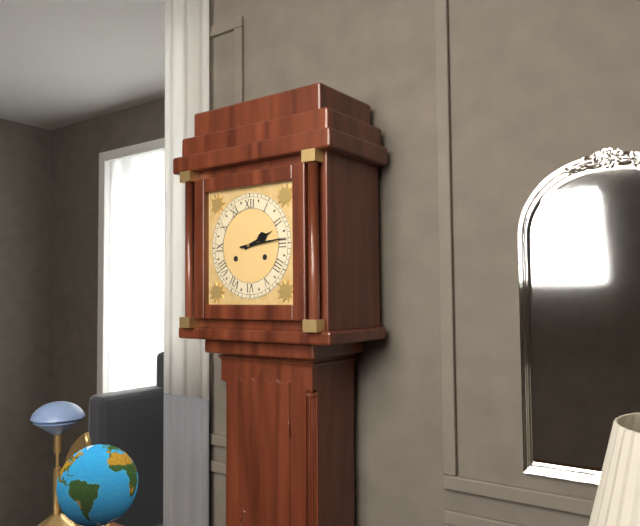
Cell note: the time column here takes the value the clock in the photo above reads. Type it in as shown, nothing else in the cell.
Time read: 2:14
